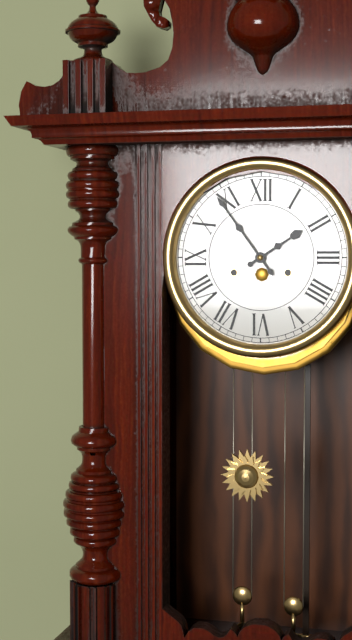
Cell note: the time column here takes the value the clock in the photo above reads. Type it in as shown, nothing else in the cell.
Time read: 1:54
